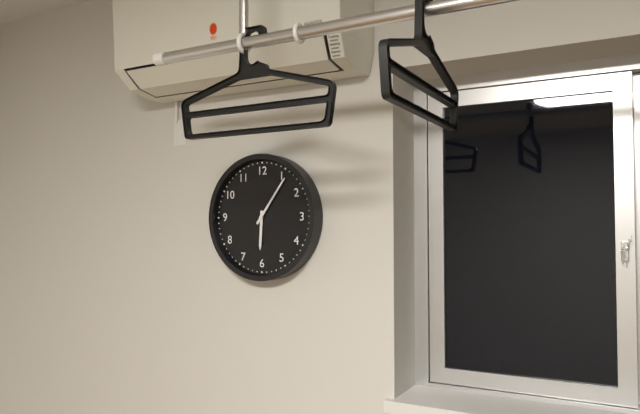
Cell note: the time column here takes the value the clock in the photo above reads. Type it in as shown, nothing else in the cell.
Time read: 6:06
